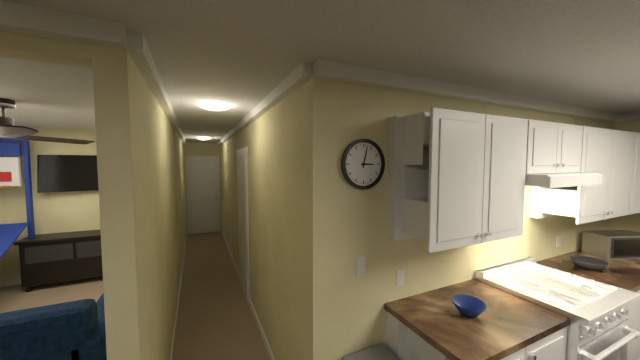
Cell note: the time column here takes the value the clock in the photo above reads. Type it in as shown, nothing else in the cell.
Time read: 3:02
